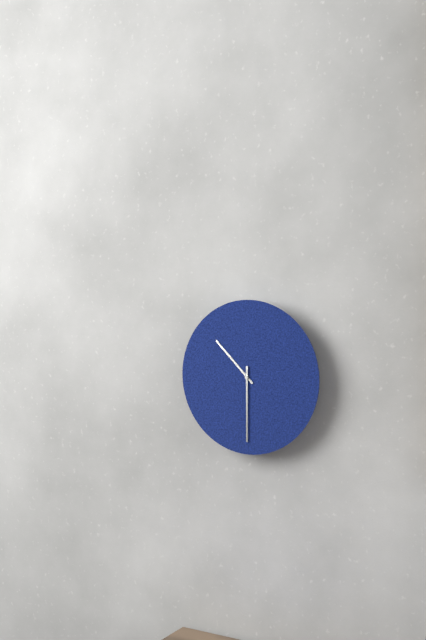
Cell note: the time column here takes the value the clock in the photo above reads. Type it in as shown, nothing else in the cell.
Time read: 10:30
